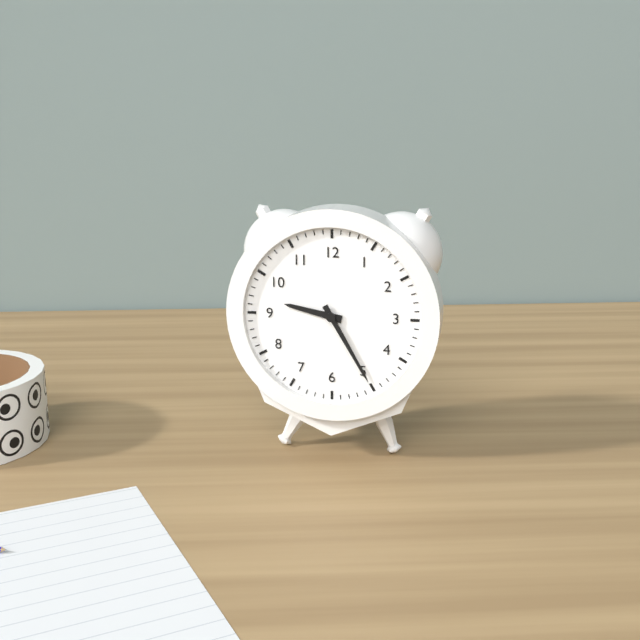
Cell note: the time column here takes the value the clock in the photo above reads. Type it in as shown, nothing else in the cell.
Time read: 9:25
